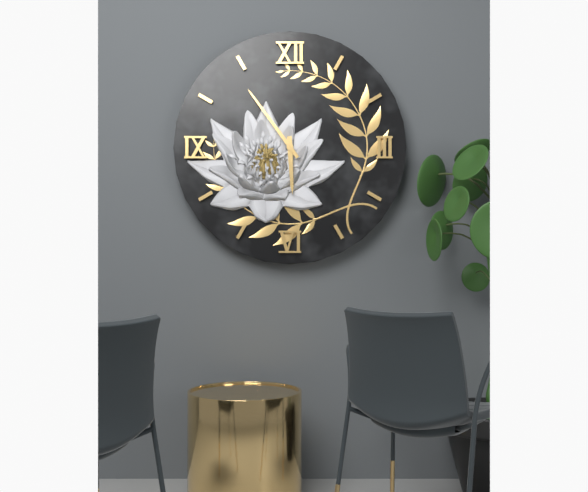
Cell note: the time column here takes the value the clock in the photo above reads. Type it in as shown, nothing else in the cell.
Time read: 5:54
